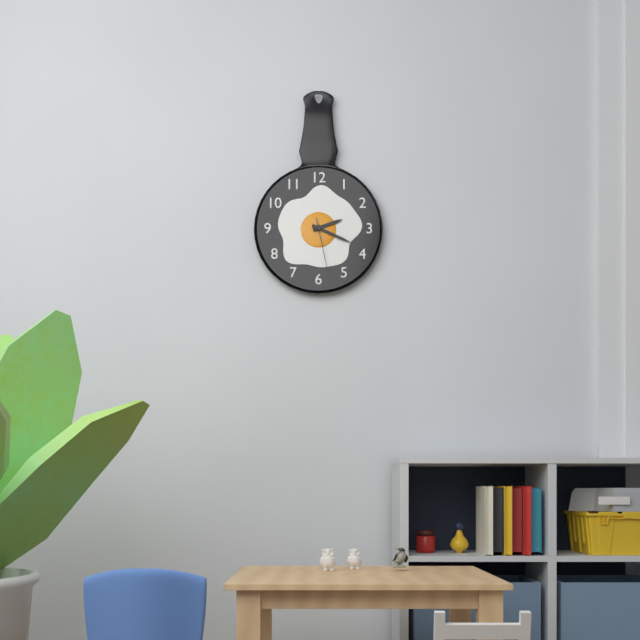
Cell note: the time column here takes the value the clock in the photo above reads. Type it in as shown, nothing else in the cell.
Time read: 2:19:28
